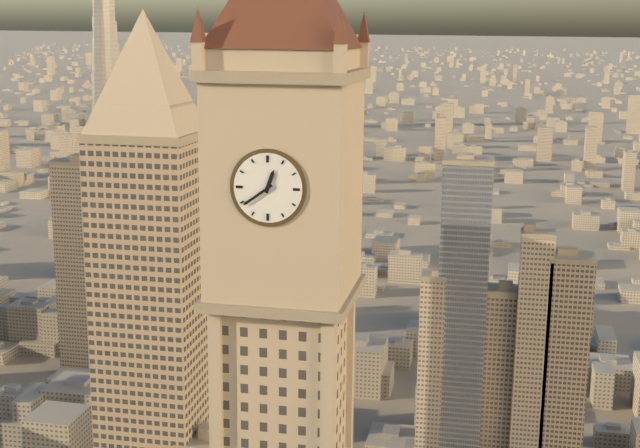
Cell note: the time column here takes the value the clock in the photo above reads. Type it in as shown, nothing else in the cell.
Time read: 12:39
